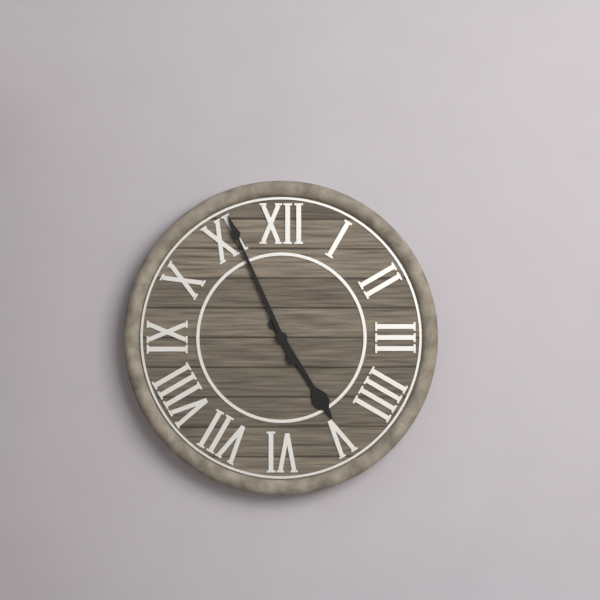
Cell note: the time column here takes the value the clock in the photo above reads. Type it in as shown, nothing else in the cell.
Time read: 4:56
